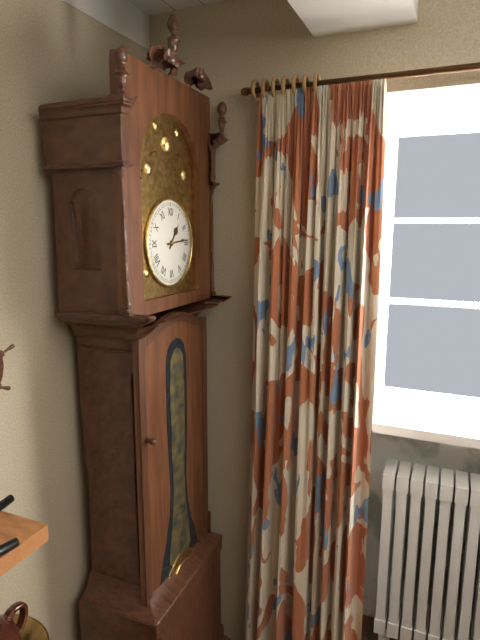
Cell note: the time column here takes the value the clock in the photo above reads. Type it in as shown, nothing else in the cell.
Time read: 1:14
